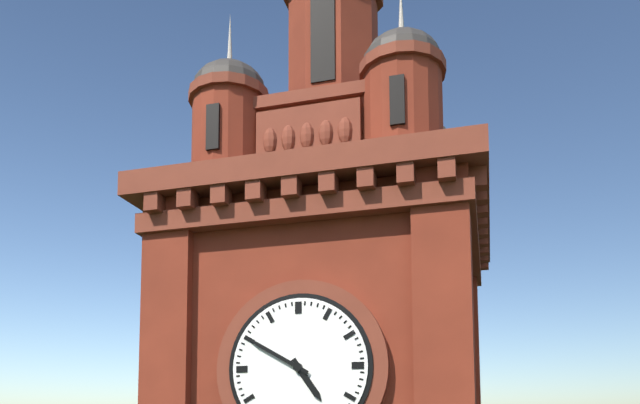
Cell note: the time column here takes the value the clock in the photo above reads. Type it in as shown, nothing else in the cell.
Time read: 4:50
